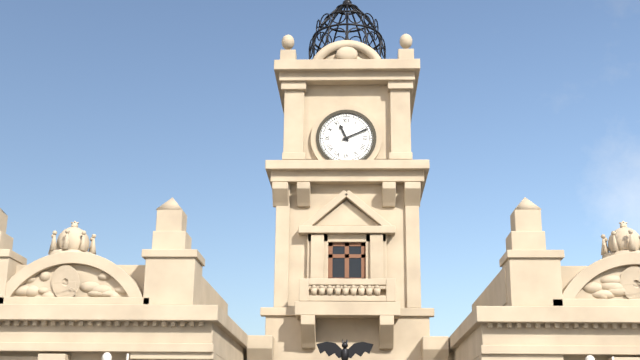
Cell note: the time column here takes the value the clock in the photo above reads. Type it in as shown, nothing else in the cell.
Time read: 11:11
